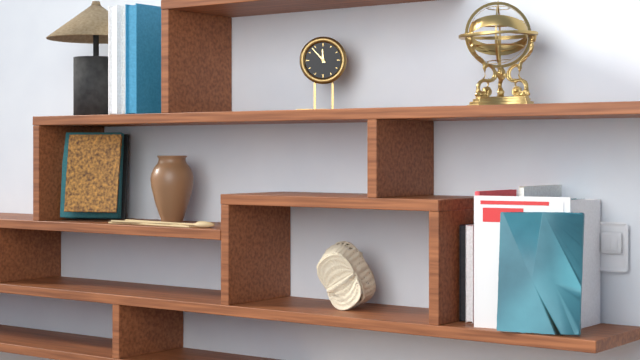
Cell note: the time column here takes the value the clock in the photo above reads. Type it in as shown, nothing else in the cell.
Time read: 11:53
